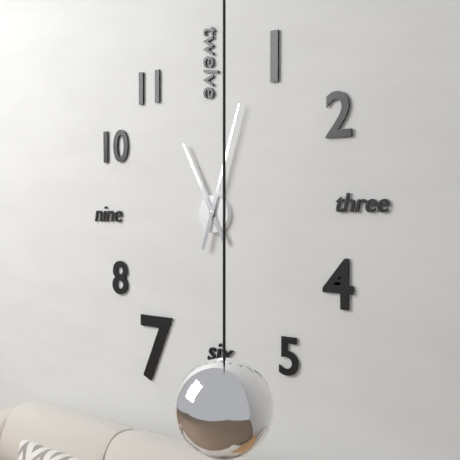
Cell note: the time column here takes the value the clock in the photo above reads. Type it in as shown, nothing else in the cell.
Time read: 11:03
